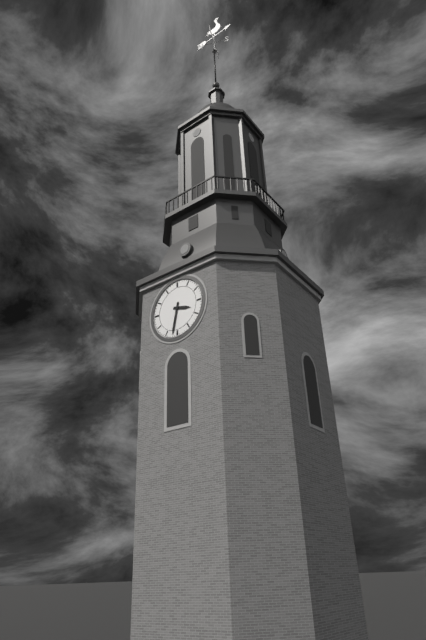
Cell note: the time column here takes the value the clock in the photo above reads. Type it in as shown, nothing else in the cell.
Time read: 3:32
